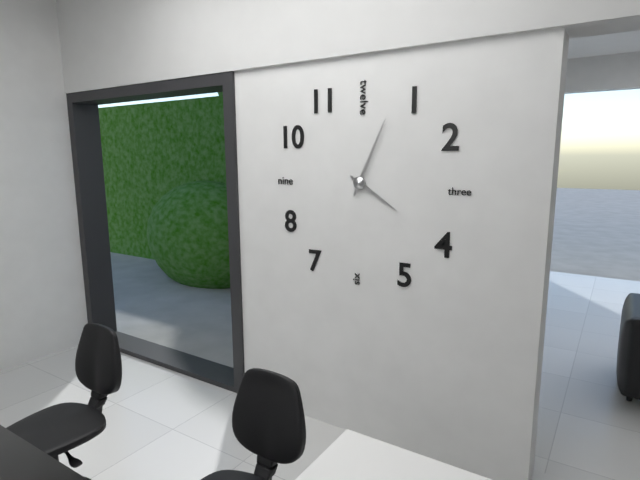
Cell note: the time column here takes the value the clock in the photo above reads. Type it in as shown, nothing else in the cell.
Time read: 4:04
